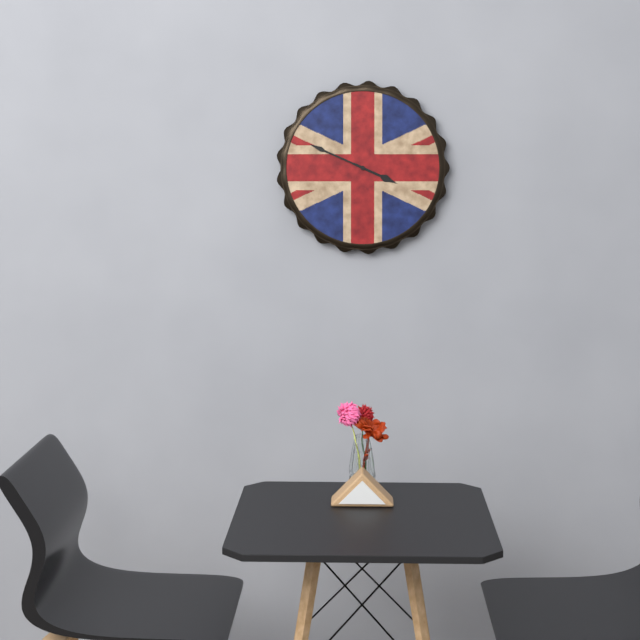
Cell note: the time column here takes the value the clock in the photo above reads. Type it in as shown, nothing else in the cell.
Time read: 3:49
